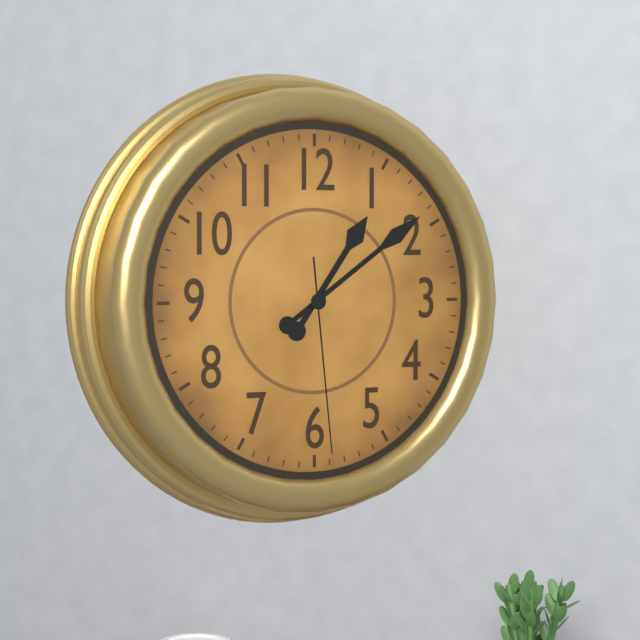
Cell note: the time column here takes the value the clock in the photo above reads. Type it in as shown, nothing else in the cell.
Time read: 1:09:29
